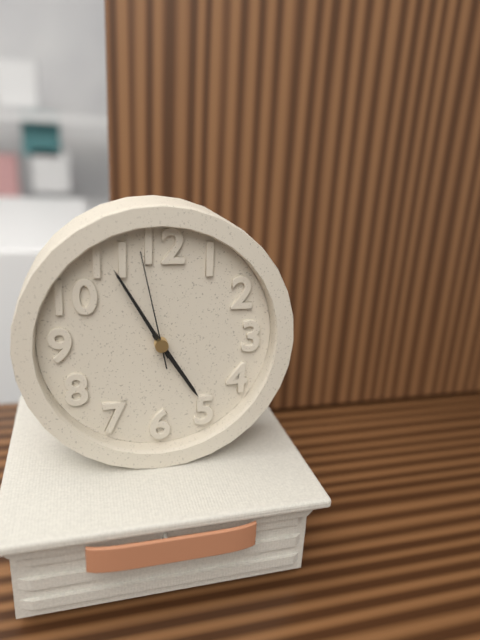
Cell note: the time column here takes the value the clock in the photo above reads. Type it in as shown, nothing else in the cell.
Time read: 4:55:58
